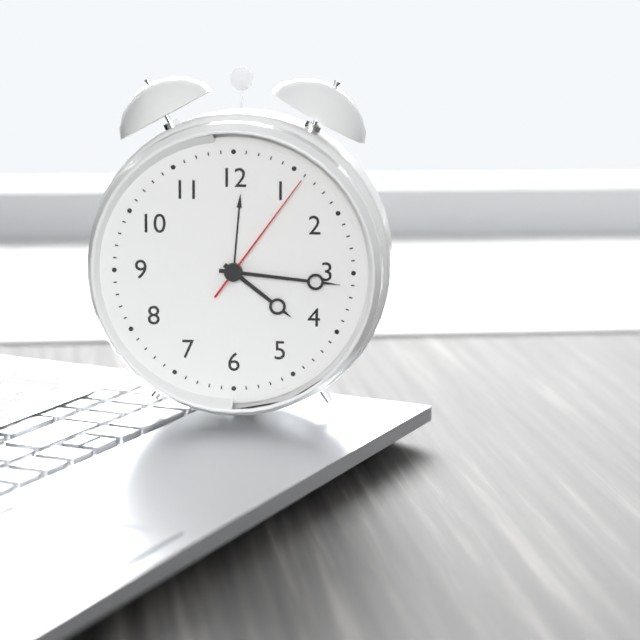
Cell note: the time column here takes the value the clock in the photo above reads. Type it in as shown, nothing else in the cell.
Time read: 4:16:06
